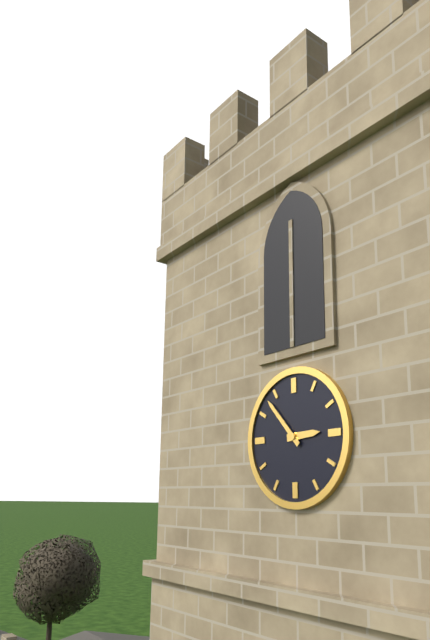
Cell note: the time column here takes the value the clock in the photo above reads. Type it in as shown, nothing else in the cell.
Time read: 2:53
